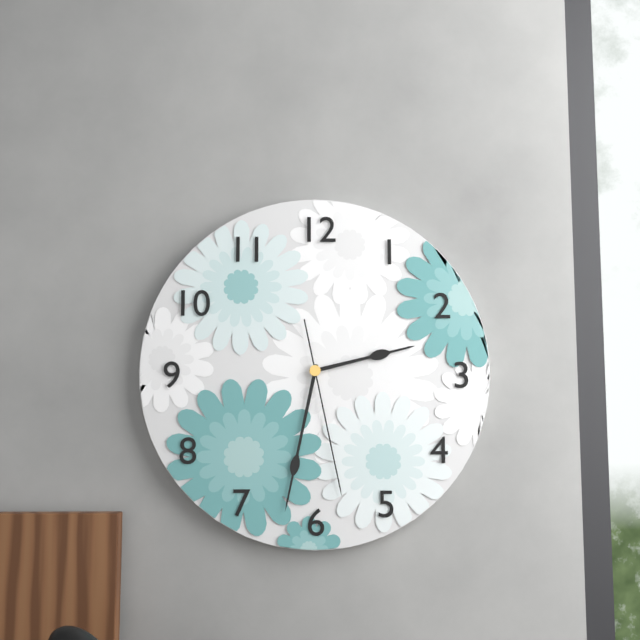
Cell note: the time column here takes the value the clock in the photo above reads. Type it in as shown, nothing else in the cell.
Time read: 2:32:28
